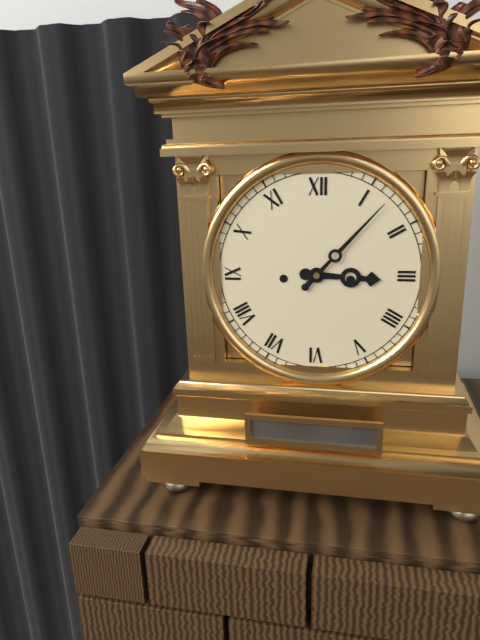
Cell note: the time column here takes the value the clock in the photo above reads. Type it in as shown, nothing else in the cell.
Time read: 3:07
